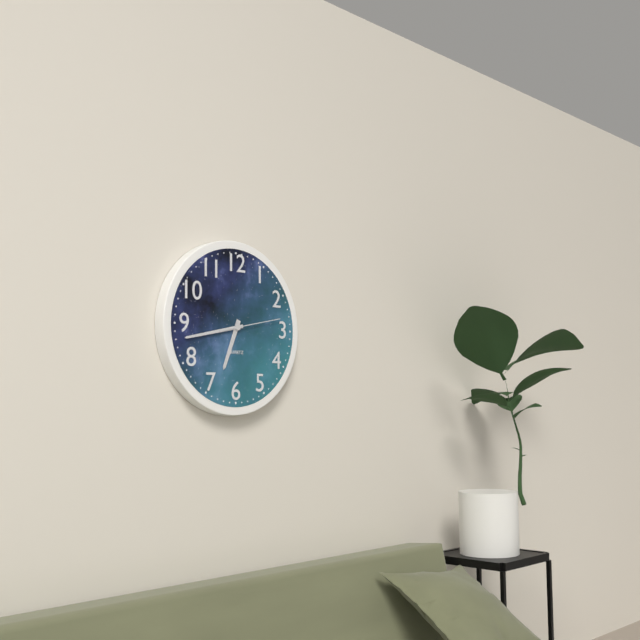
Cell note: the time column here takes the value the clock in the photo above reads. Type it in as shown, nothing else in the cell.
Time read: 6:43:13
